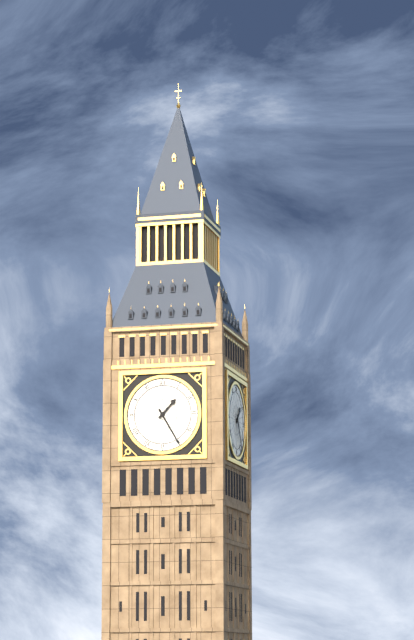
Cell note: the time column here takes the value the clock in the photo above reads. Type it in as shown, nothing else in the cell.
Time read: 1:25
